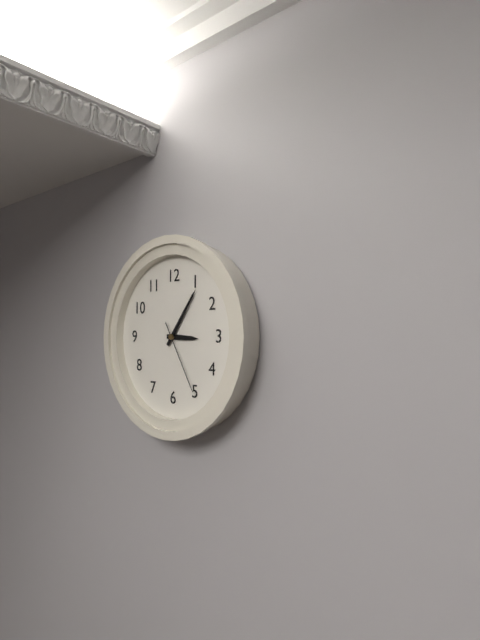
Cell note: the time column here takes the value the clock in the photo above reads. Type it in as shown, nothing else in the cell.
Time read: 3:06:25
